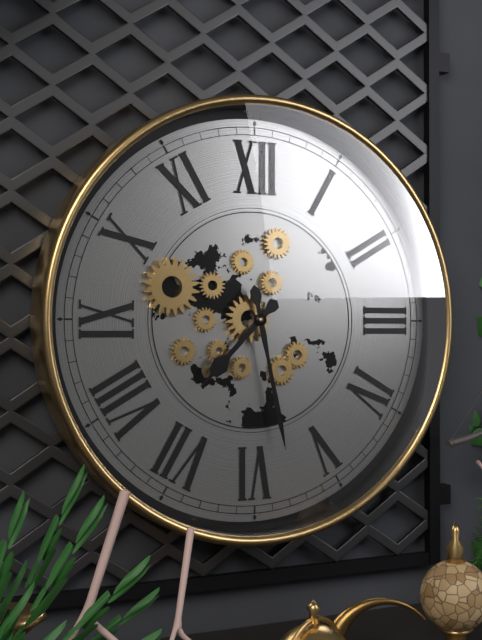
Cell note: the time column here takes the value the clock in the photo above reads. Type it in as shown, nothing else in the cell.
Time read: 7:28
